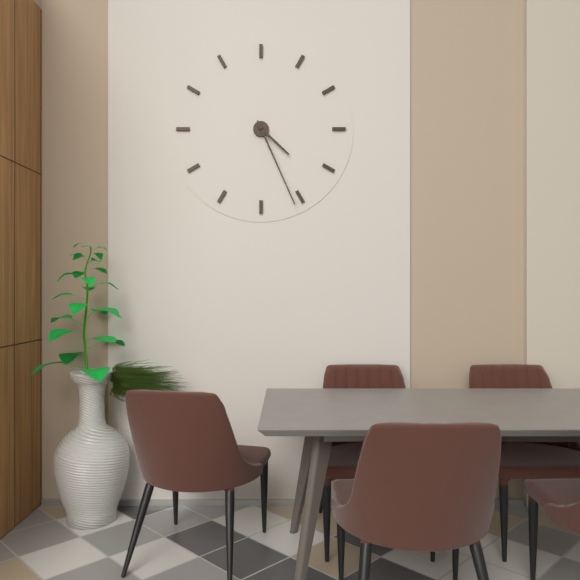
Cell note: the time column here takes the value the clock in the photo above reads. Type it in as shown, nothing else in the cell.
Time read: 4:26
